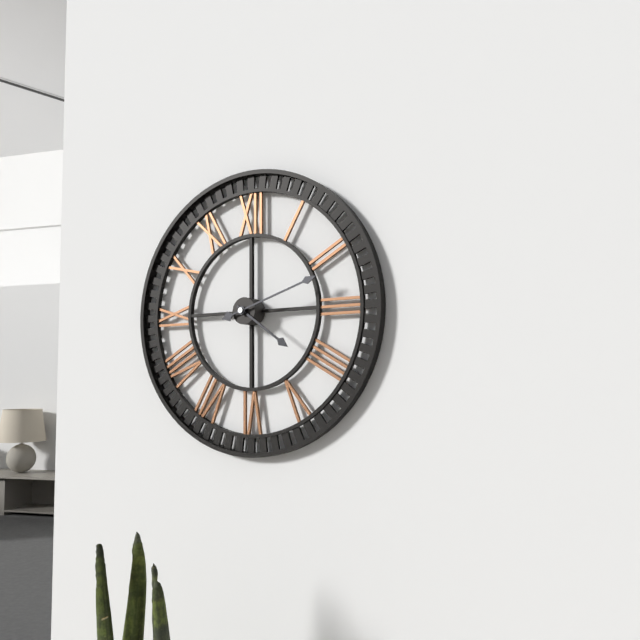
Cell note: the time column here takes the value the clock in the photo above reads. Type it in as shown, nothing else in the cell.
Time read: 4:12
